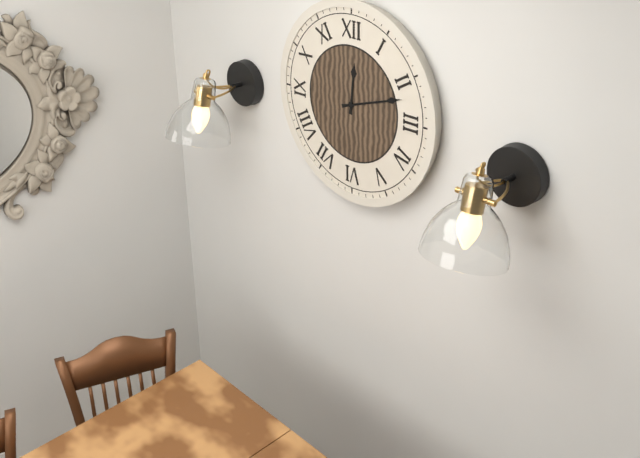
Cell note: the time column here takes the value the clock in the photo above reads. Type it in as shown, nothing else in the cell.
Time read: 12:12
